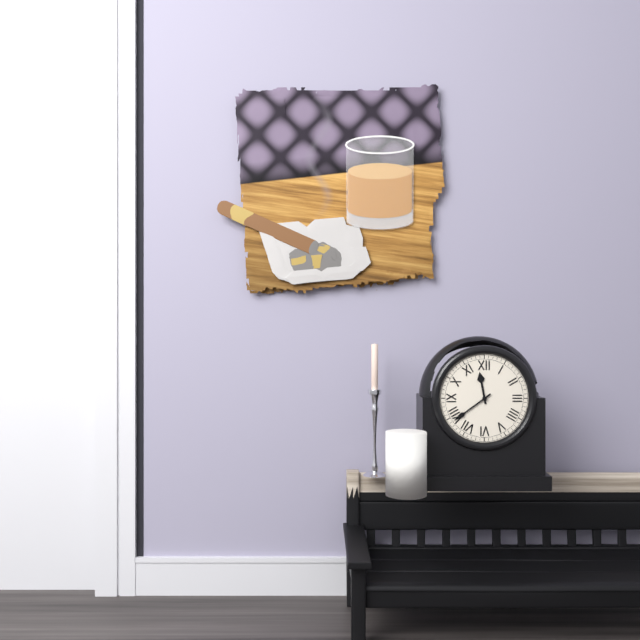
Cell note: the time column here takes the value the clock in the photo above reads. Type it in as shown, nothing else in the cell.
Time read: 11:39
